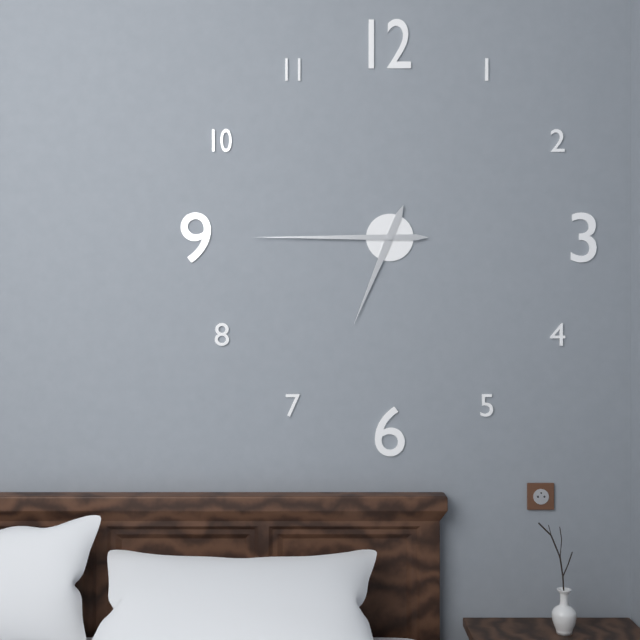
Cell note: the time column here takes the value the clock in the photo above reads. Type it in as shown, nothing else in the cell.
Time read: 6:45
